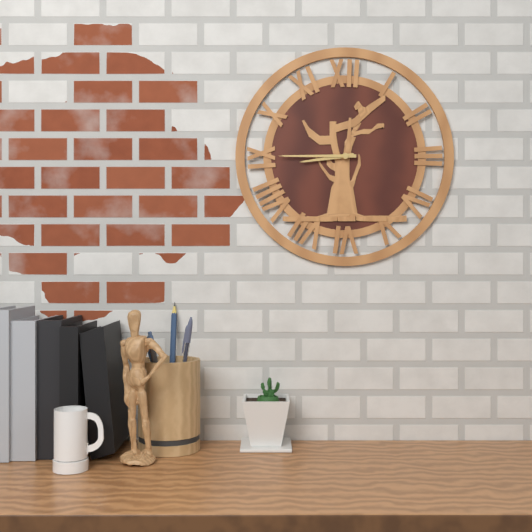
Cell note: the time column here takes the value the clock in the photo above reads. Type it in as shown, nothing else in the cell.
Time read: 8:45
